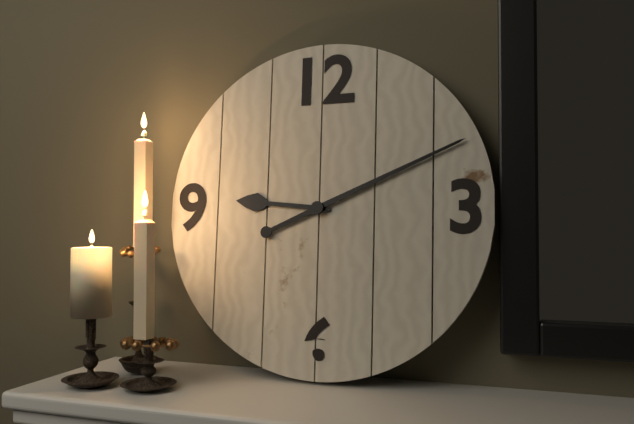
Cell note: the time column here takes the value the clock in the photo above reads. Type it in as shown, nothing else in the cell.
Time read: 9:11
